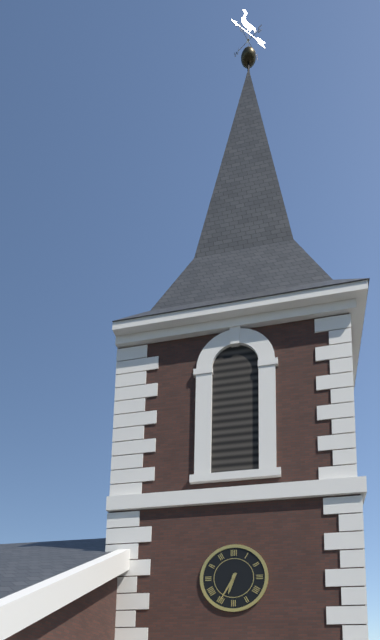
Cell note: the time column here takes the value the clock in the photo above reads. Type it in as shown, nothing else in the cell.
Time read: 6:35
